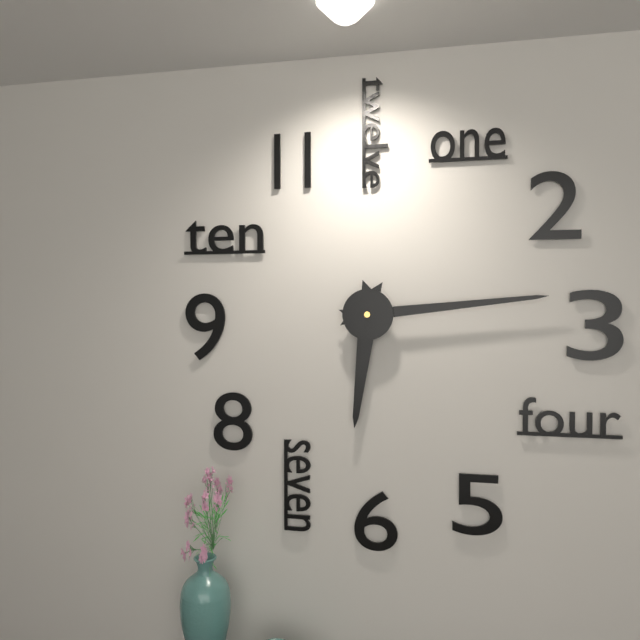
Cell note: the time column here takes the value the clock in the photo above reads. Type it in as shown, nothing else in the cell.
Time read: 6:14
